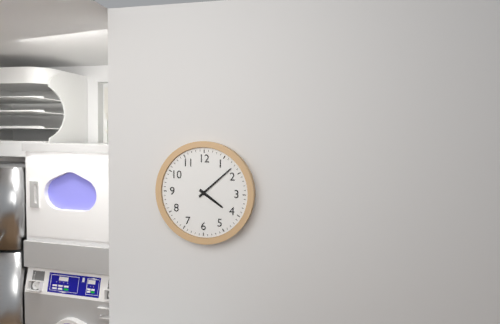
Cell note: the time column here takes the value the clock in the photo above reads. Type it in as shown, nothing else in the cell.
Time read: 4:08
